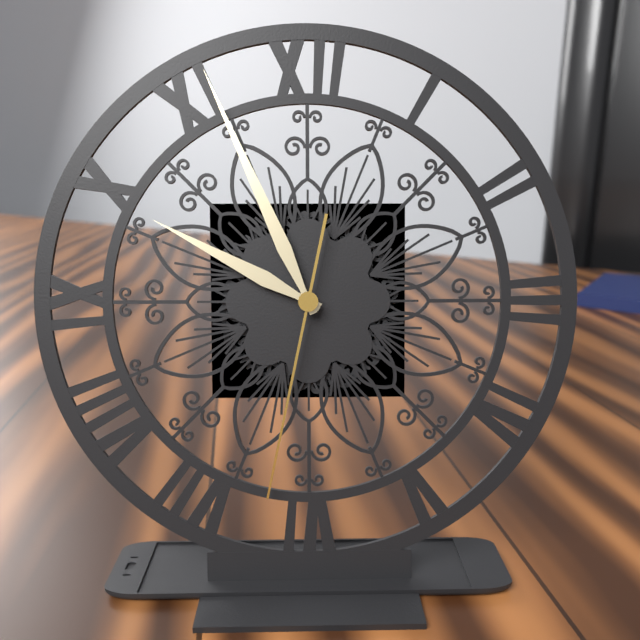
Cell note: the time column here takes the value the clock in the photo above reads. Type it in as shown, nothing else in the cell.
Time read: 9:56:32
